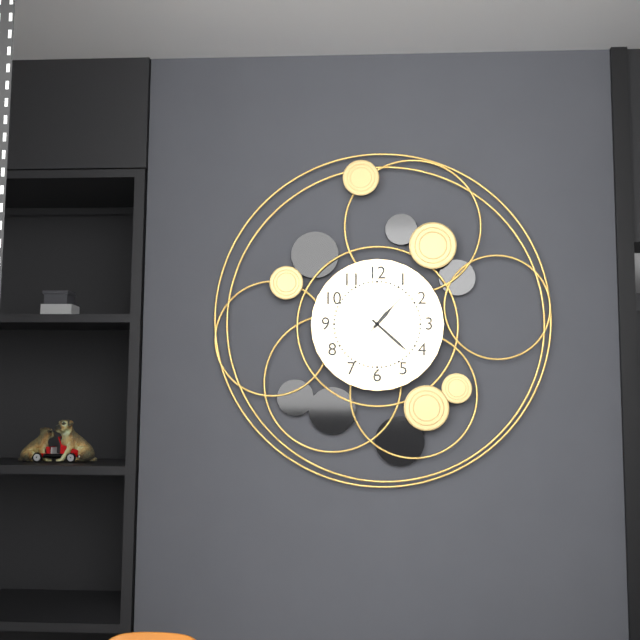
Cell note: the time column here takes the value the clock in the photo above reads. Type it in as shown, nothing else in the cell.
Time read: 1:22:07
